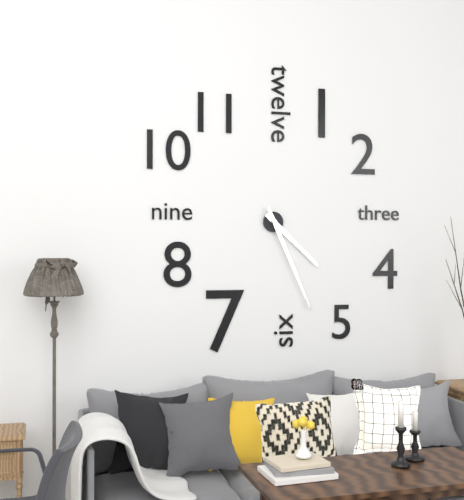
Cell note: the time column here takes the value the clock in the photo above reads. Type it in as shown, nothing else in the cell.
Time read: 4:26
